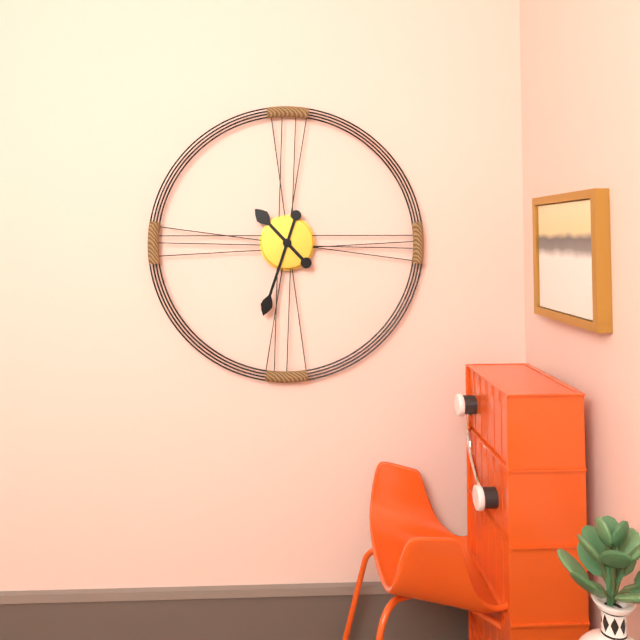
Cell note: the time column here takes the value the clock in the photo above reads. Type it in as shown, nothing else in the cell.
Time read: 10:33
